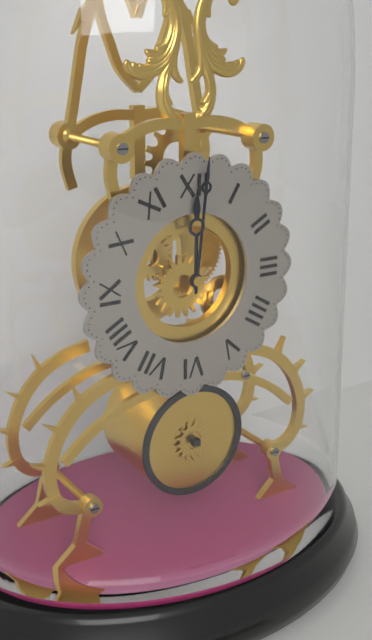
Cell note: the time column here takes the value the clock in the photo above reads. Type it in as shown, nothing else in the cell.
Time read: 12:01
